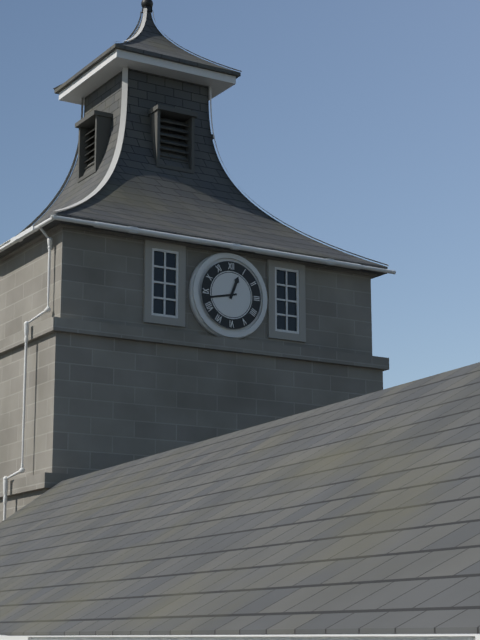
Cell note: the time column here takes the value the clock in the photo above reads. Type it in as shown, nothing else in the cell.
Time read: 12:43
